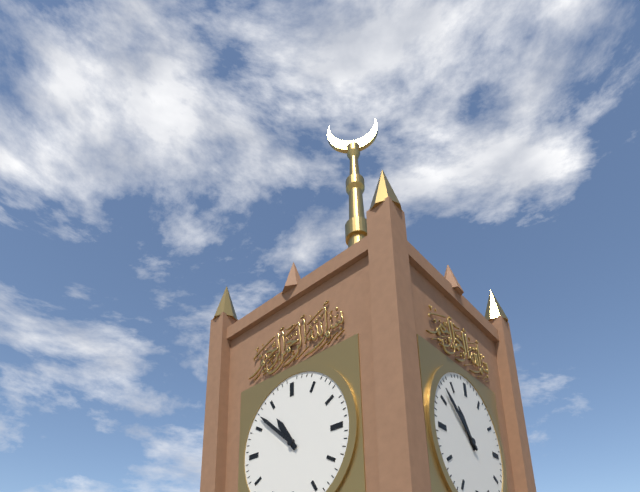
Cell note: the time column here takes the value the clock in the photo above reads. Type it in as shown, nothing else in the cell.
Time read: 10:52
